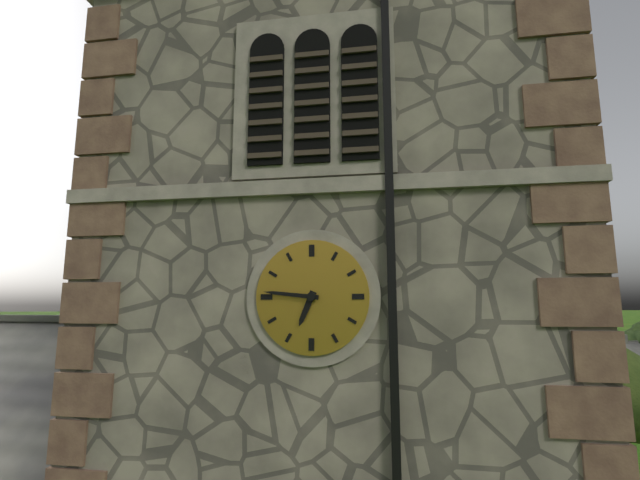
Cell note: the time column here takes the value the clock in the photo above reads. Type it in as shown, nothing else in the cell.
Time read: 6:46
